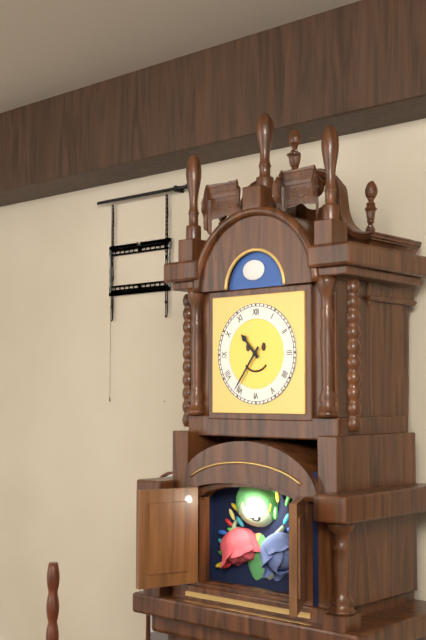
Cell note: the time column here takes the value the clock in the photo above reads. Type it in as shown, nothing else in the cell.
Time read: 10:36
